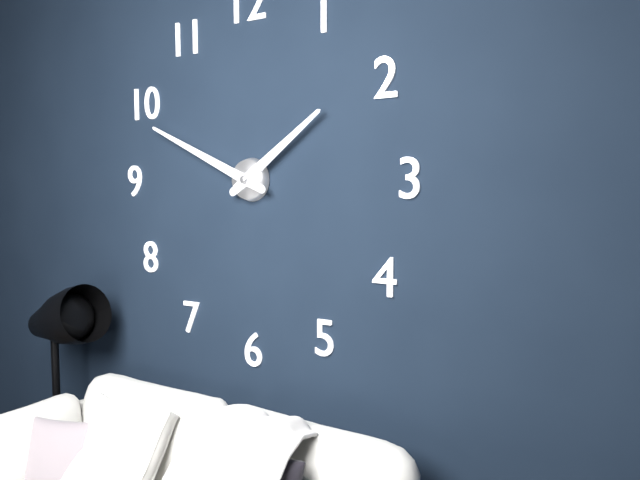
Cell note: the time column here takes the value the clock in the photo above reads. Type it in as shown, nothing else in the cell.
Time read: 1:49
